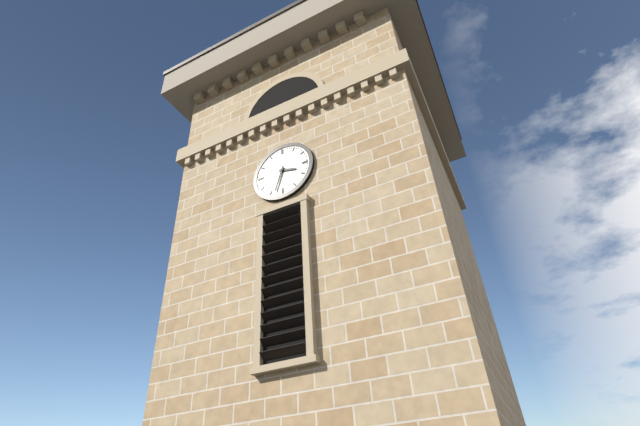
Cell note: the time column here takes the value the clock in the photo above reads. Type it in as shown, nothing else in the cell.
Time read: 3:33
